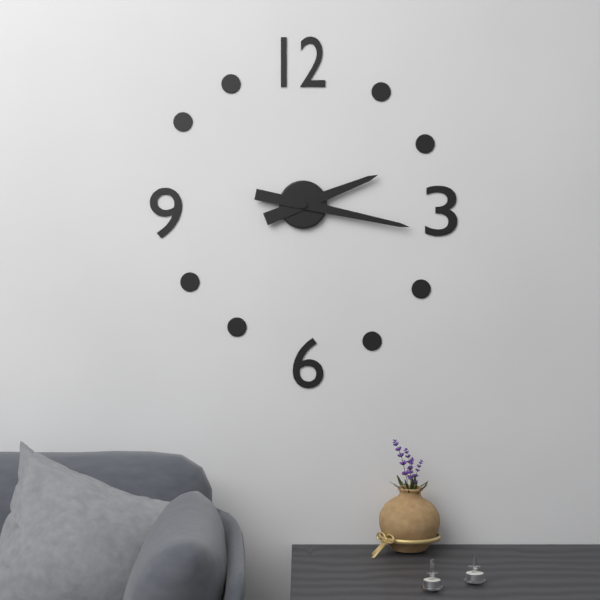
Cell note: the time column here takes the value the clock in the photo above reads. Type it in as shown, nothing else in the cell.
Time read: 2:17
